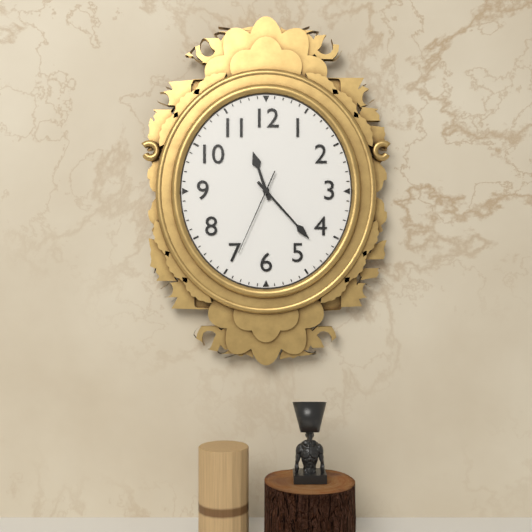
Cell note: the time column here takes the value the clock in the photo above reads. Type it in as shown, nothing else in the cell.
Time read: 11:23:34
